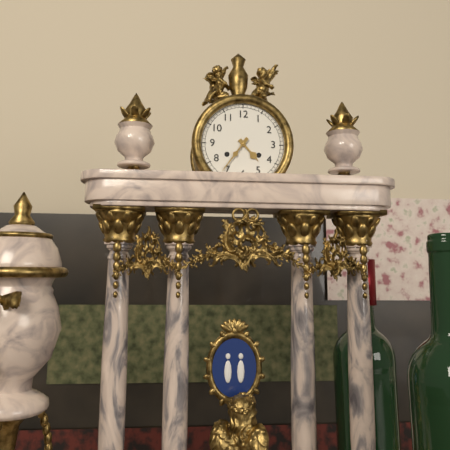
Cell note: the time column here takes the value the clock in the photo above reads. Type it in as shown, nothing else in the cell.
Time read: 4:36
